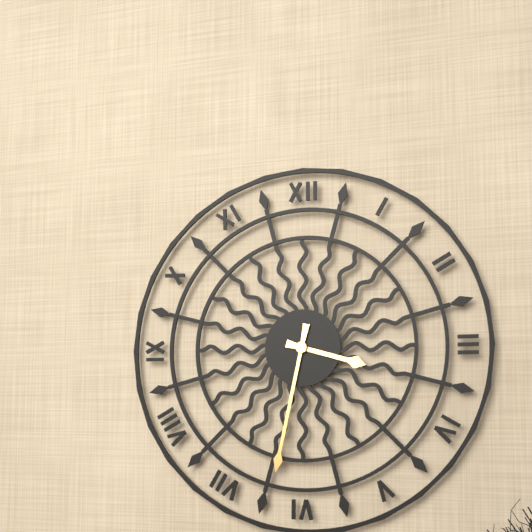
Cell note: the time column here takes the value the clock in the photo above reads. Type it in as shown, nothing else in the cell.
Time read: 3:32
